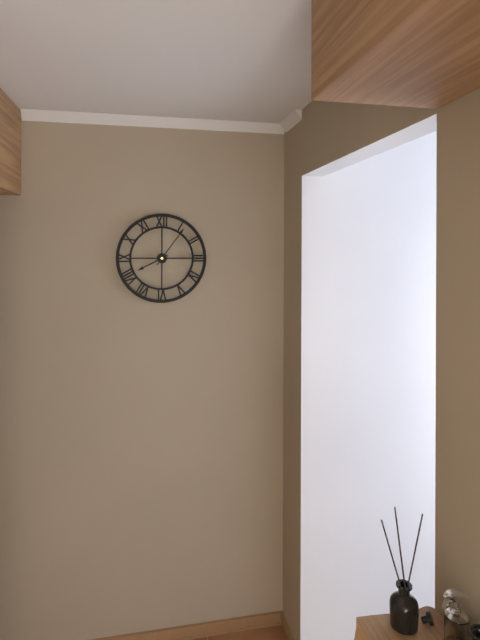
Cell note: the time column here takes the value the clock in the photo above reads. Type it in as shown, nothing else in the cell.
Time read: 8:06
